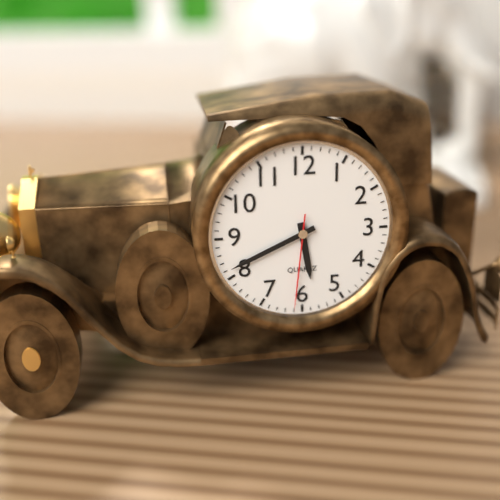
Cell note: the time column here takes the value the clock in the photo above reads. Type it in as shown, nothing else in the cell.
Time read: 5:41:31
